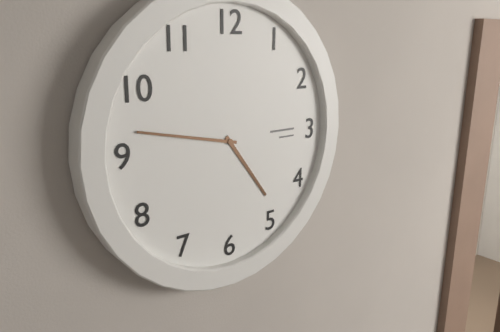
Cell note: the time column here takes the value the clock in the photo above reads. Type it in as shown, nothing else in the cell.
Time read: 4:47
